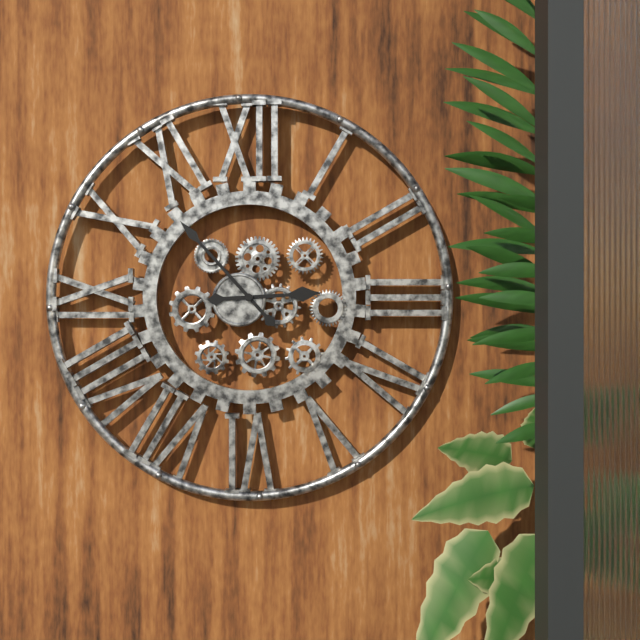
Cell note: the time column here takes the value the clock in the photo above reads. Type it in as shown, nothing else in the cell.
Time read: 2:53
